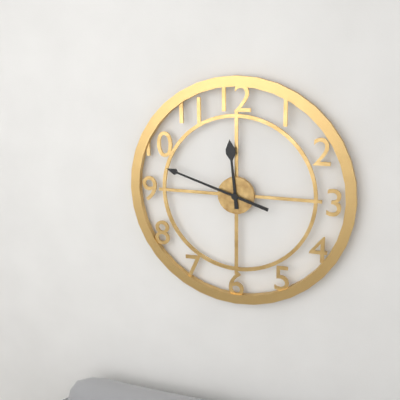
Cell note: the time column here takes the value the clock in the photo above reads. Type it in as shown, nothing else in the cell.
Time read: 11:48
